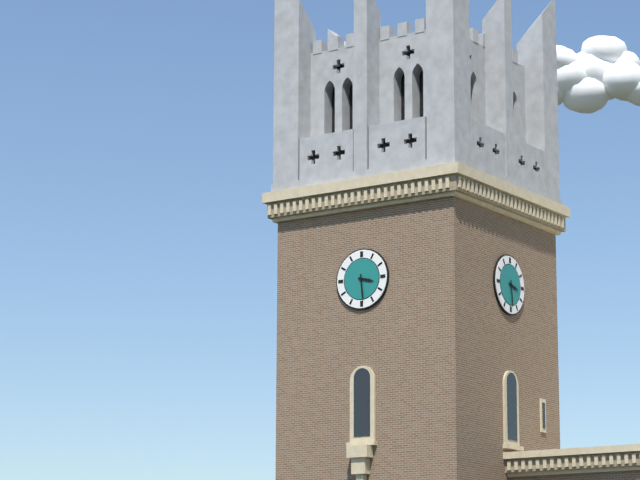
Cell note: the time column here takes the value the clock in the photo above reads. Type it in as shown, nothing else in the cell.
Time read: 3:29
